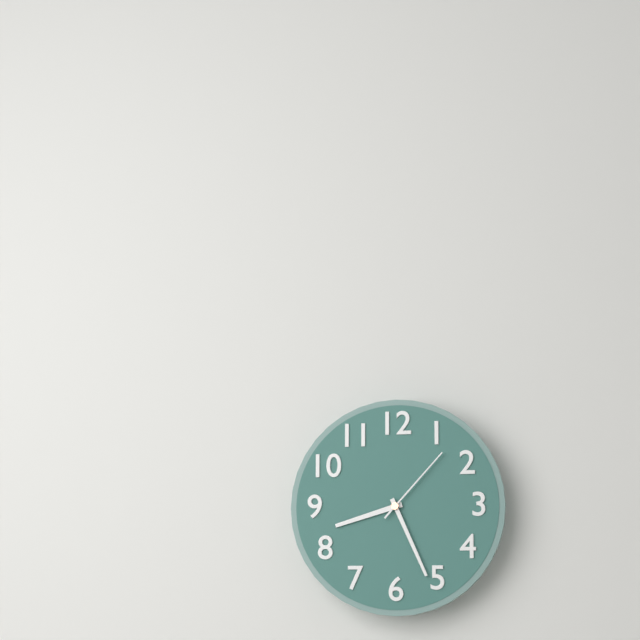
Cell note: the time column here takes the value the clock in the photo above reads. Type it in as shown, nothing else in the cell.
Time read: 8:26:07
